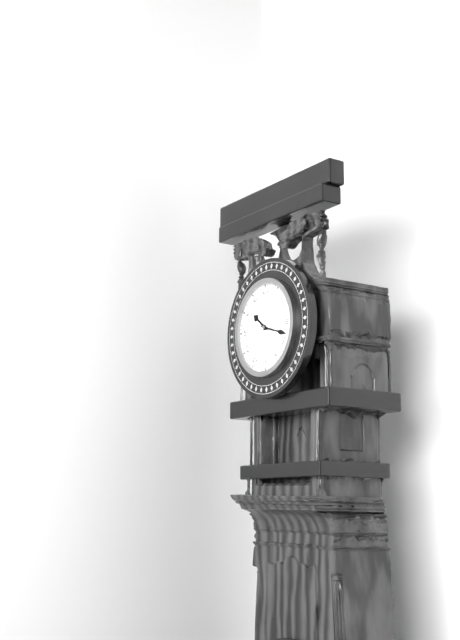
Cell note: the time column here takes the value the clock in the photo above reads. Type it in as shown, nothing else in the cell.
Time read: 10:18
